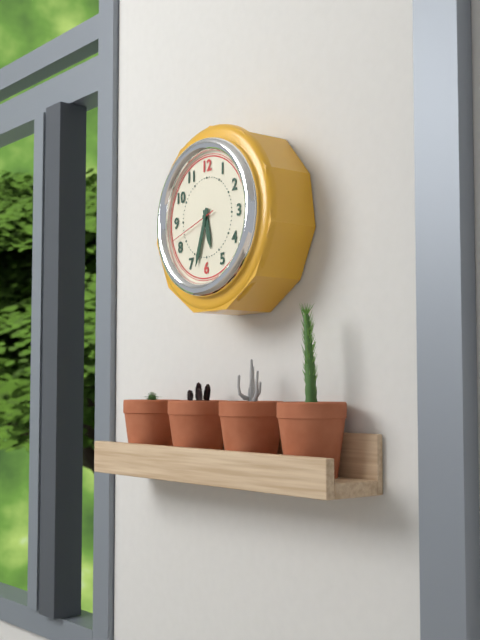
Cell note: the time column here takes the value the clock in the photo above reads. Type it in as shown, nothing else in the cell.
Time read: 5:33:42
